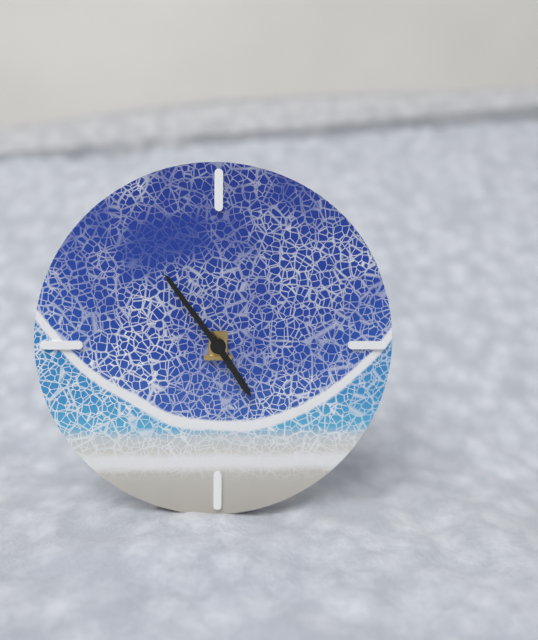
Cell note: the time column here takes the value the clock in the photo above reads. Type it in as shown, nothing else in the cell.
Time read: 4:54
